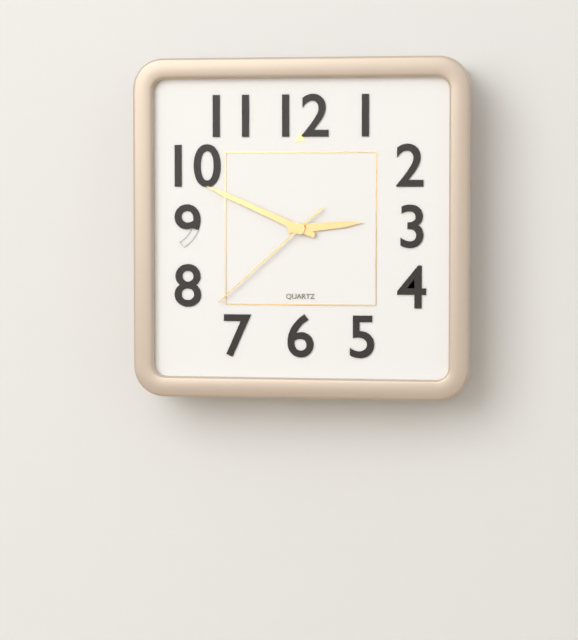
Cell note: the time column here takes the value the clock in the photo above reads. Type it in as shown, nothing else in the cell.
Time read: 2:49:38
